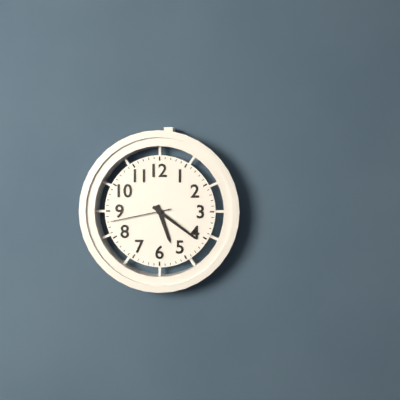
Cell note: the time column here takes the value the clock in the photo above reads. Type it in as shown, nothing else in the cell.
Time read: 5:21:43
